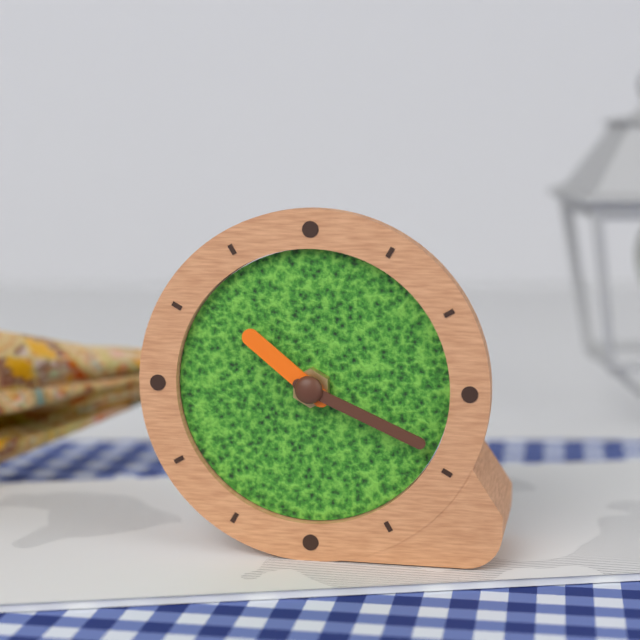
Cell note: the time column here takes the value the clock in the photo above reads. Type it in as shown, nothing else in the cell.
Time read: 10:19
